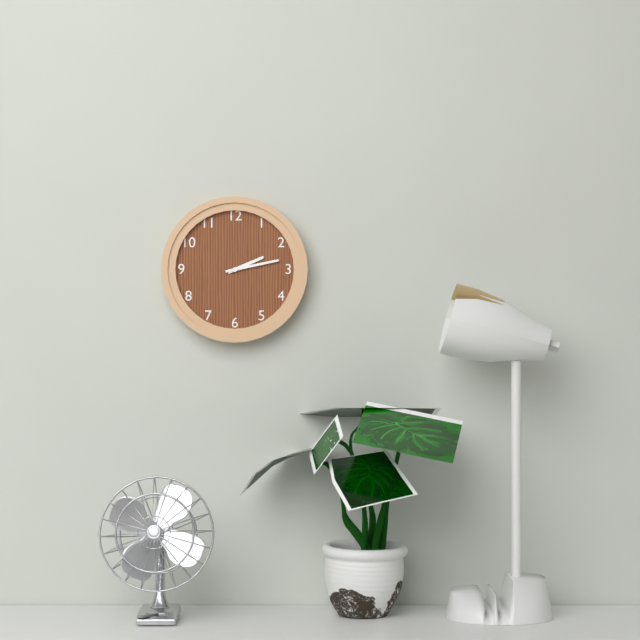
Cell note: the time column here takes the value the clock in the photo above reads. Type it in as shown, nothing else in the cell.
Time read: 2:13
